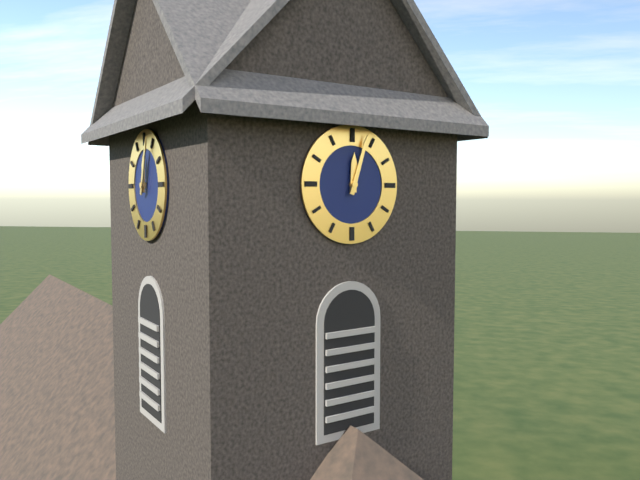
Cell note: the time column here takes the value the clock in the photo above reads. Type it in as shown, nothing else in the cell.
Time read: 12:03
